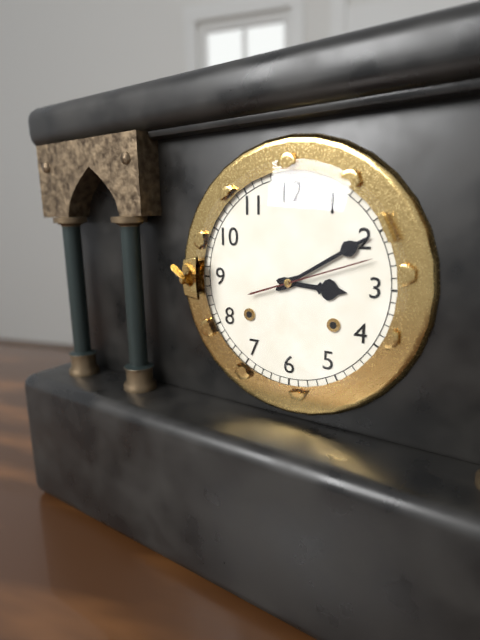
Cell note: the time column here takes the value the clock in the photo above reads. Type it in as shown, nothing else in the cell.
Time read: 3:10:12
